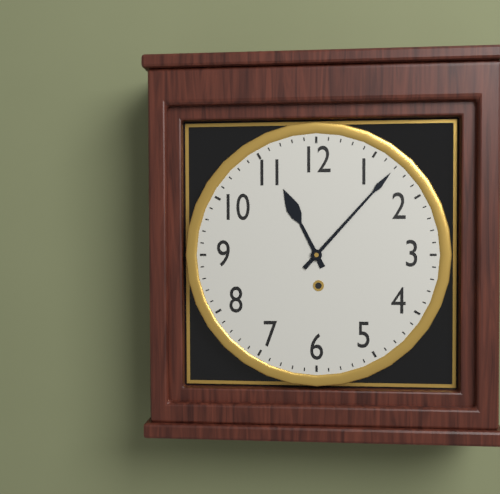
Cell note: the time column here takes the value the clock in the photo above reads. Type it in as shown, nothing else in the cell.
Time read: 11:07
